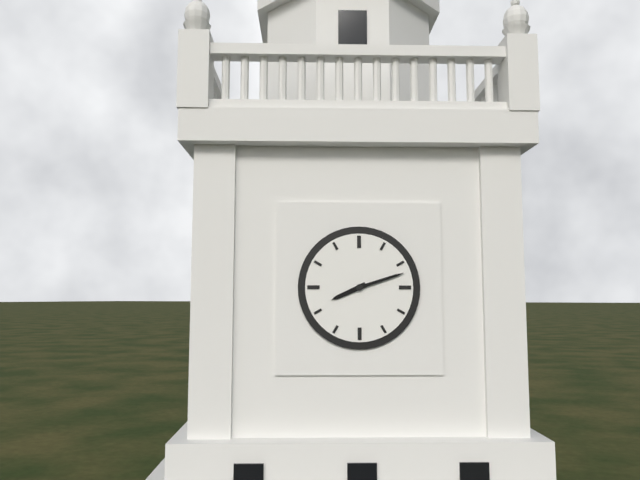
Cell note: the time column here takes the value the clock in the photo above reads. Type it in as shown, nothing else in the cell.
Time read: 8:12
